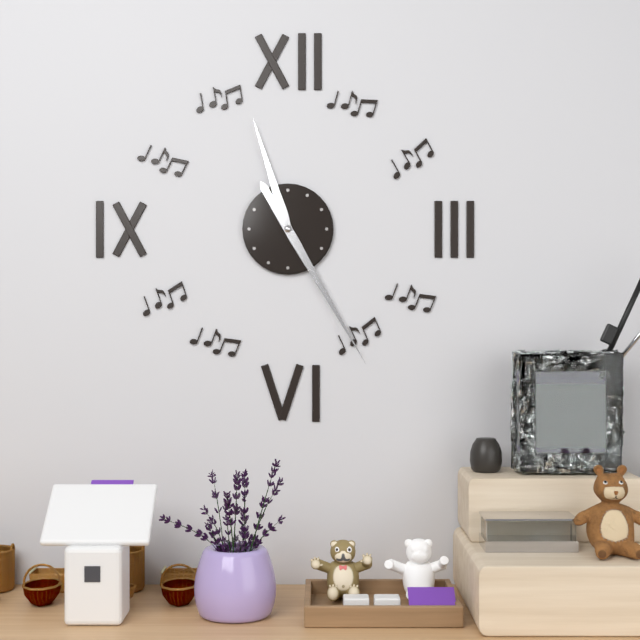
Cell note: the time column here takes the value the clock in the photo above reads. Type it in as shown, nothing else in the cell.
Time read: 11:25
